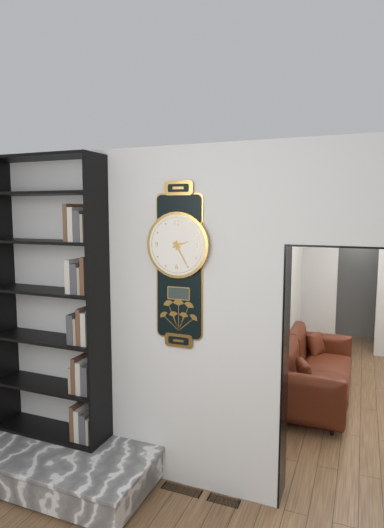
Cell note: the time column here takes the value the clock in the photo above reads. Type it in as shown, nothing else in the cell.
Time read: 2:25
